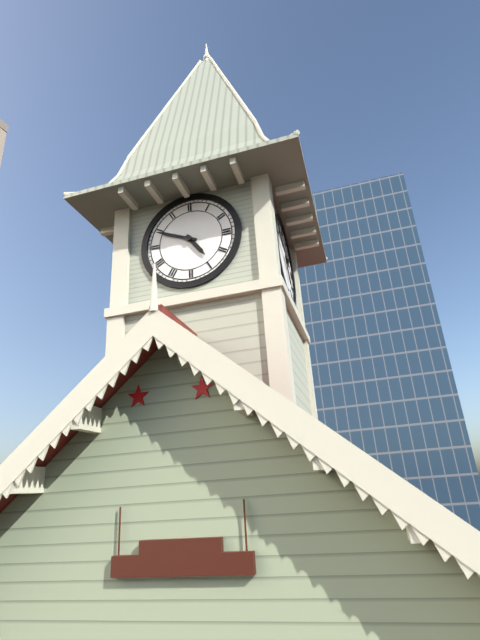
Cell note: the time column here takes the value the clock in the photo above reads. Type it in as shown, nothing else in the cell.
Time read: 4:49
